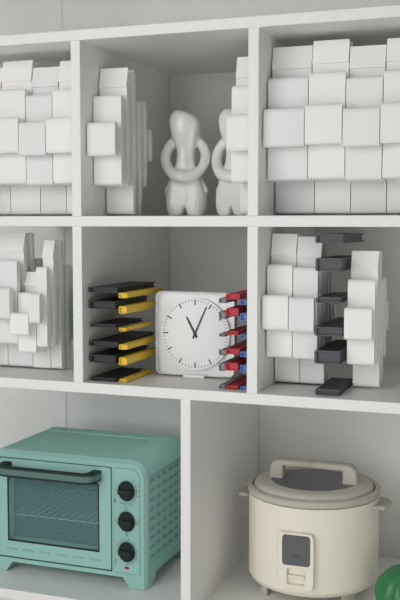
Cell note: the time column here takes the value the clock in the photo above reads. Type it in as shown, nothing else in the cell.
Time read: 11:04
